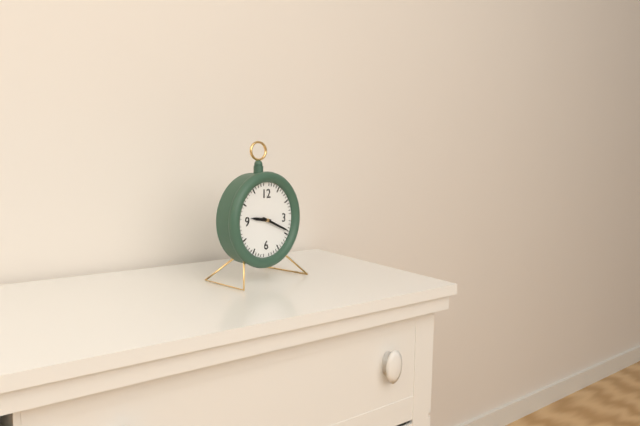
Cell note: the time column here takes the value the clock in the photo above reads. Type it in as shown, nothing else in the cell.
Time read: 9:19
